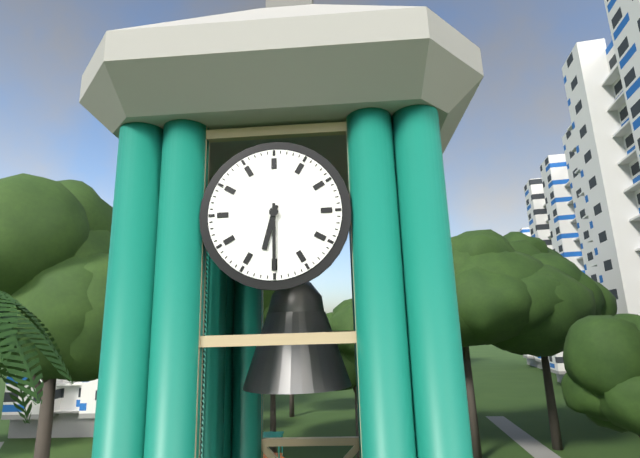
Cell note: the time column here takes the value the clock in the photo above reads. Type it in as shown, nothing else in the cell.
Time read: 6:30
